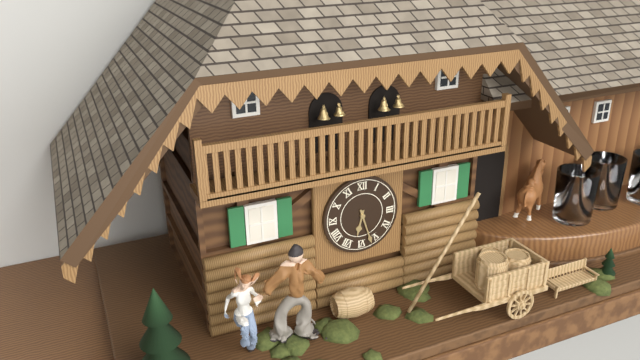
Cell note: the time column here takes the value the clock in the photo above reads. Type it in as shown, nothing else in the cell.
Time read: 6:27
